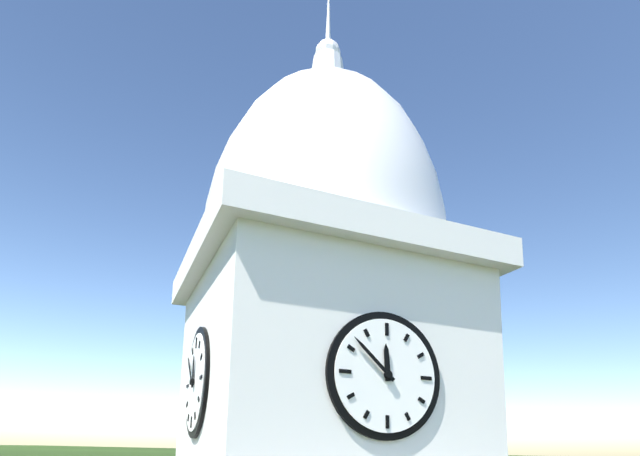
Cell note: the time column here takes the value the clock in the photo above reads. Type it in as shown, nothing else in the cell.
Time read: 11:52
